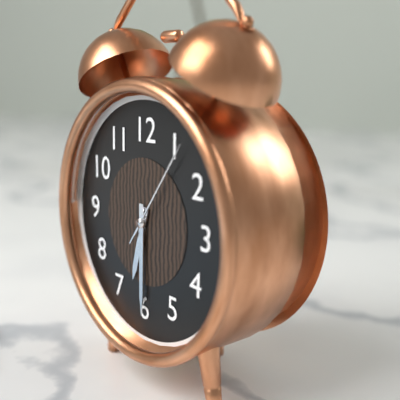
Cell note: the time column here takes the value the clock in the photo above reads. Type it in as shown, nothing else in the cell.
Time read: 6:30:06
